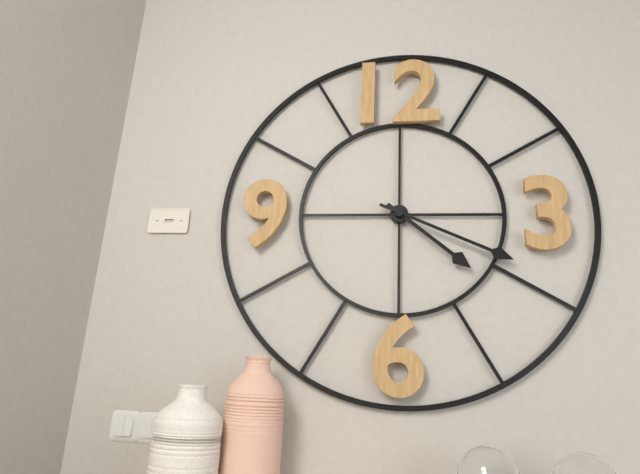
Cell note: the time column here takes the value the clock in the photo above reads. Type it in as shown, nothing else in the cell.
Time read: 4:19
